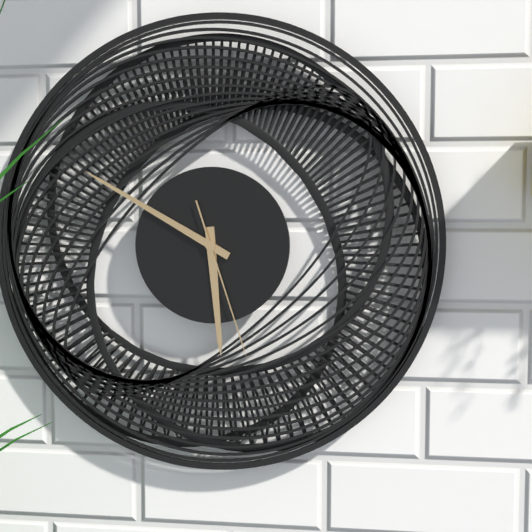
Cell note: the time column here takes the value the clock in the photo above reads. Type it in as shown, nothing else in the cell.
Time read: 5:50:27
